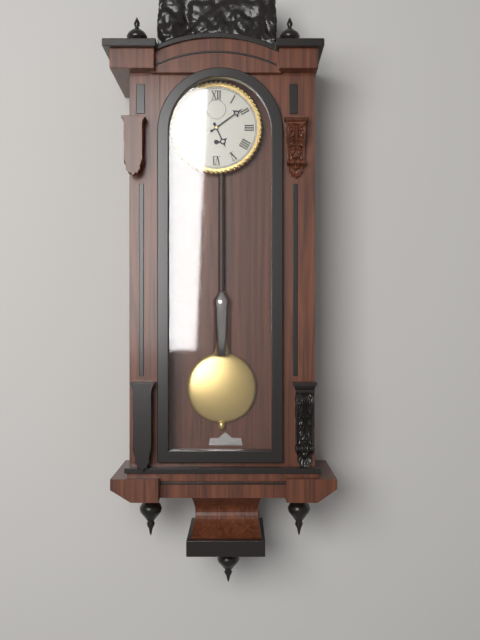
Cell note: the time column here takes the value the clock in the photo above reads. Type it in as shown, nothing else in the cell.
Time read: 5:09
